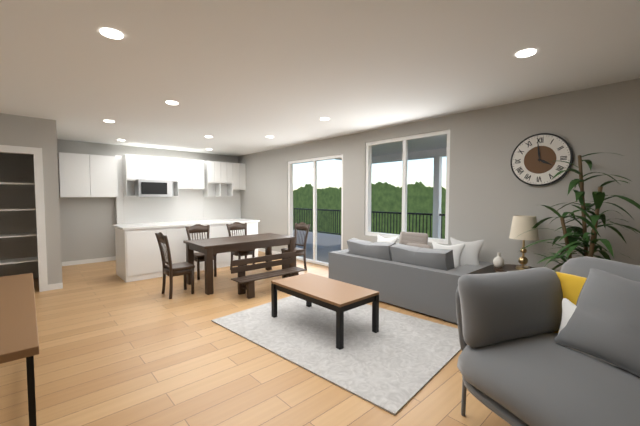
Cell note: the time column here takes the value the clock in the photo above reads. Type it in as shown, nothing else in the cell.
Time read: 3:59
